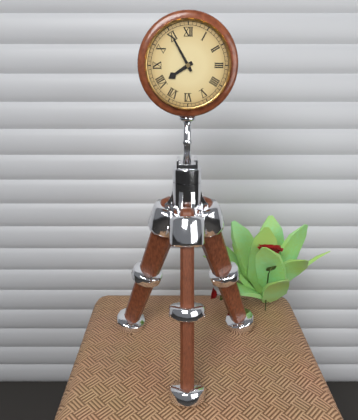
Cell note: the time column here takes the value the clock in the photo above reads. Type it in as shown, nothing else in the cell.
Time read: 7:55
